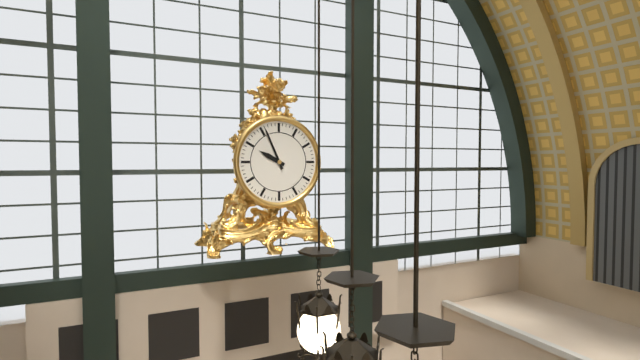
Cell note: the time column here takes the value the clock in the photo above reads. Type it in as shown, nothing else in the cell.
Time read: 9:56
